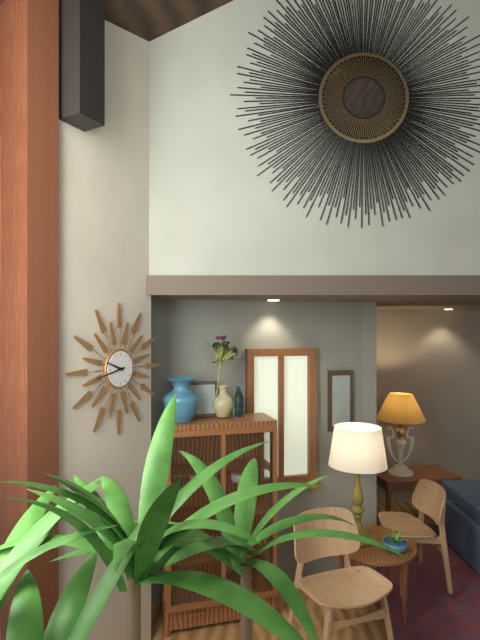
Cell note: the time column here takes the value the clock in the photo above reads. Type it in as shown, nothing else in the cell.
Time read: 9:43
